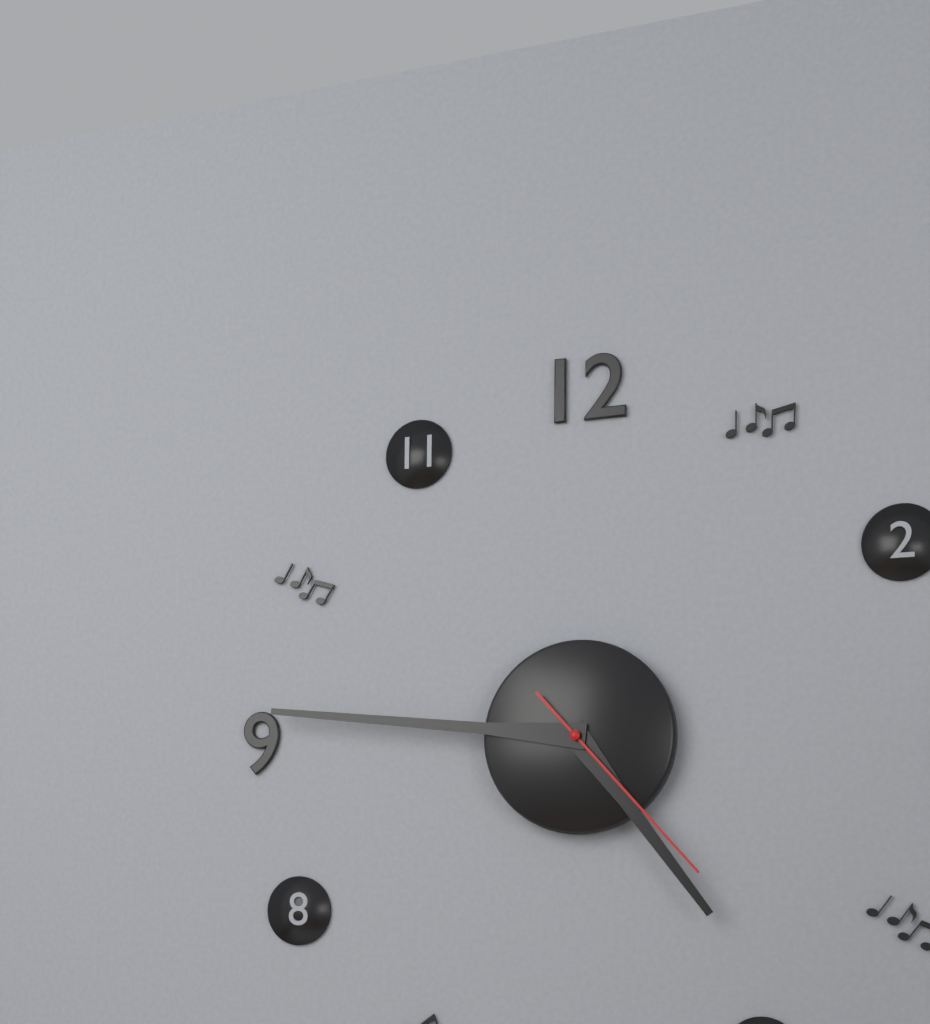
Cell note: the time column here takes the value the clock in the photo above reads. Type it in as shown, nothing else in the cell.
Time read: 4:46:23
